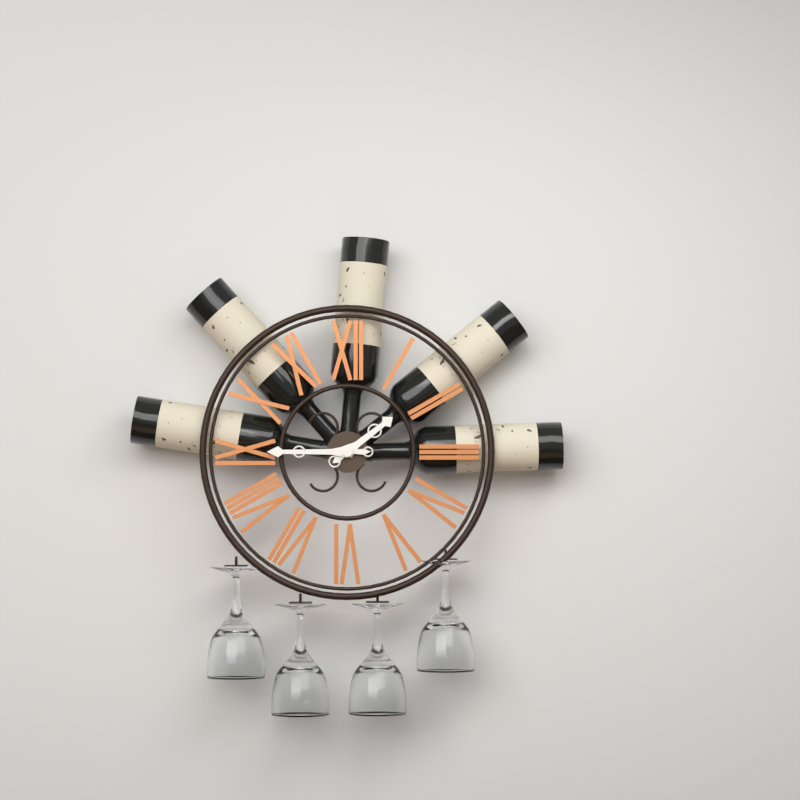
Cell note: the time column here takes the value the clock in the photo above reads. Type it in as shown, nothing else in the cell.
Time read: 1:45
